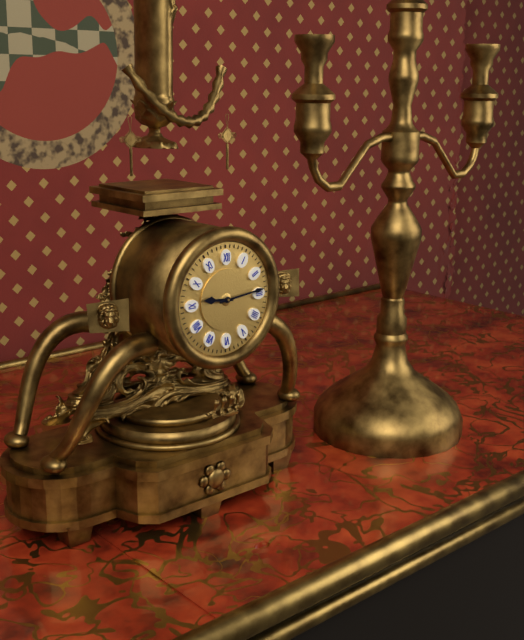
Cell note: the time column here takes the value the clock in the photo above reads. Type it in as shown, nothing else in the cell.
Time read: 9:14
